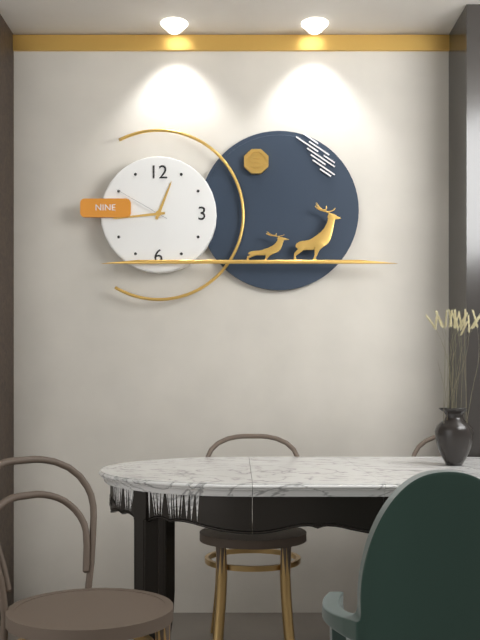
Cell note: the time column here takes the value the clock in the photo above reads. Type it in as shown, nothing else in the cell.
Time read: 12:44:50
